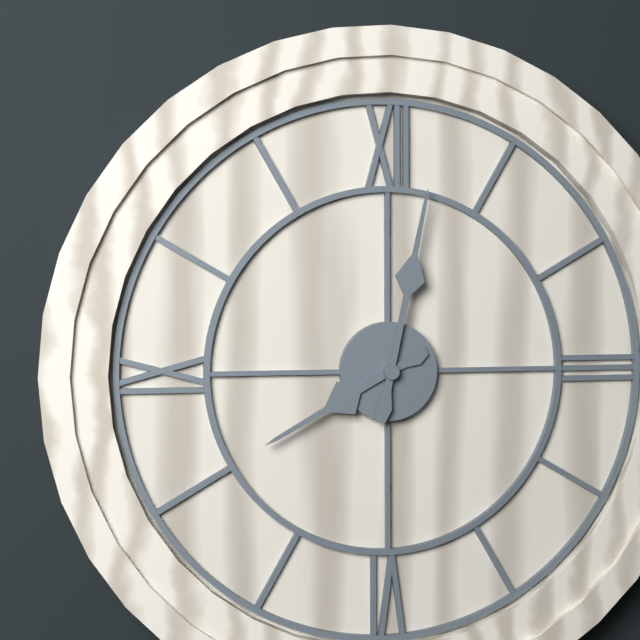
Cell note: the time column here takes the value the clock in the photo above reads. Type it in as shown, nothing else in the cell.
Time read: 8:02
